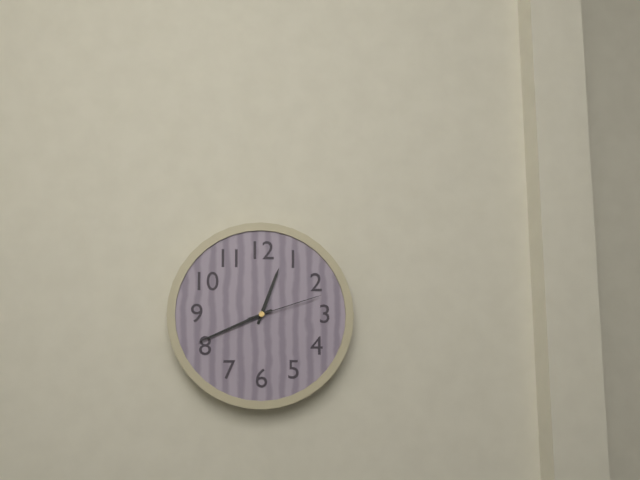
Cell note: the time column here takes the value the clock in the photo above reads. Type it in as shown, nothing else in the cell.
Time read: 12:41:12
